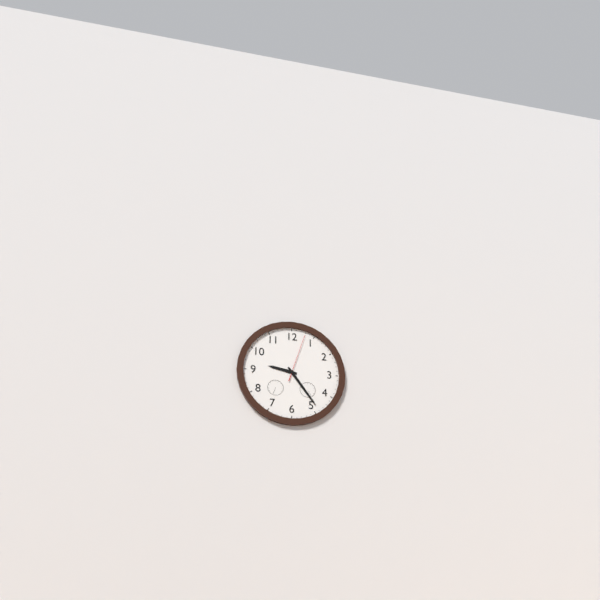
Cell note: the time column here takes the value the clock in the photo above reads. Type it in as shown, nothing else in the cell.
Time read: 9:24:03
